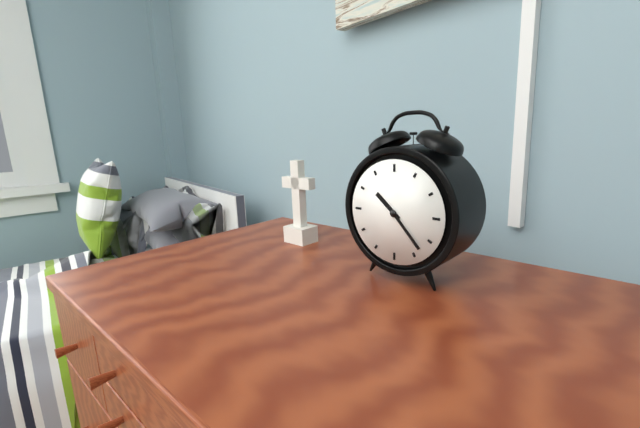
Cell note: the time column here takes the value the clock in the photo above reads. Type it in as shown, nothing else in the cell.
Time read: 10:23
